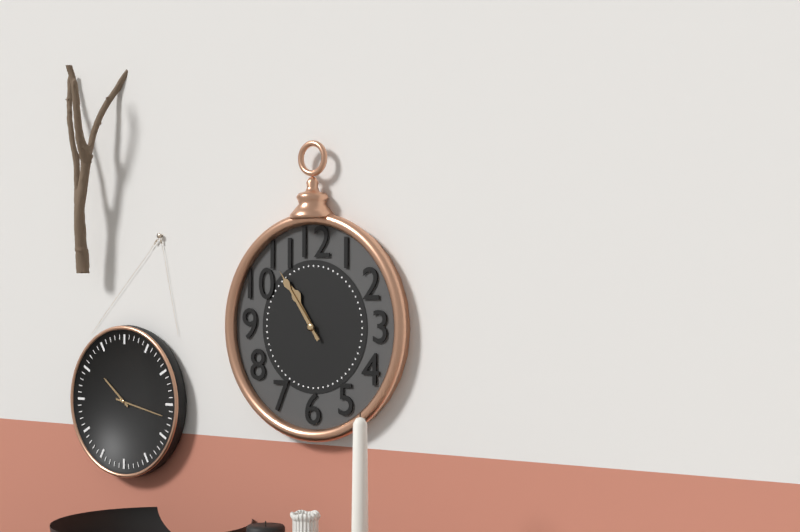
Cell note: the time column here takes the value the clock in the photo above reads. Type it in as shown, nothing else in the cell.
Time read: 10:54
